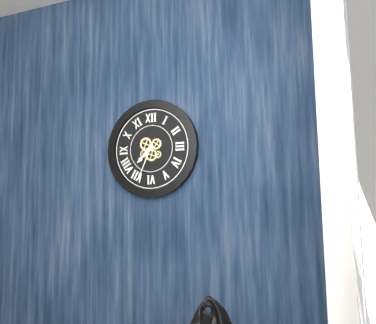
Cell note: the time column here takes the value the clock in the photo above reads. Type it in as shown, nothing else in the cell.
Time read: 7:34
